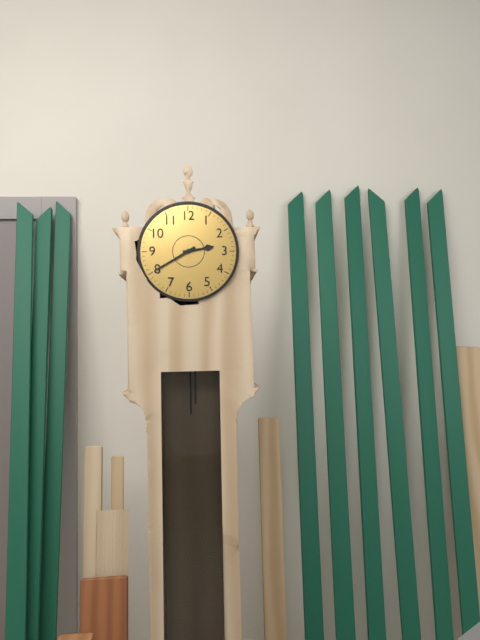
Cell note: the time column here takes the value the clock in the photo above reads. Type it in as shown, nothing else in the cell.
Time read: 2:40
